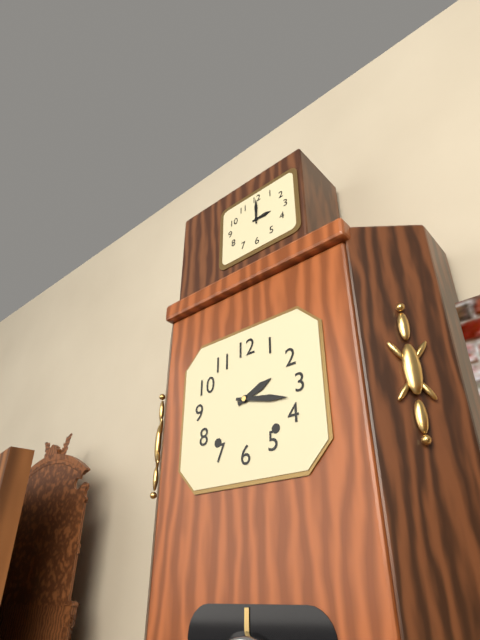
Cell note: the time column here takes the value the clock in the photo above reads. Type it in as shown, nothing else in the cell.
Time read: 2:17
